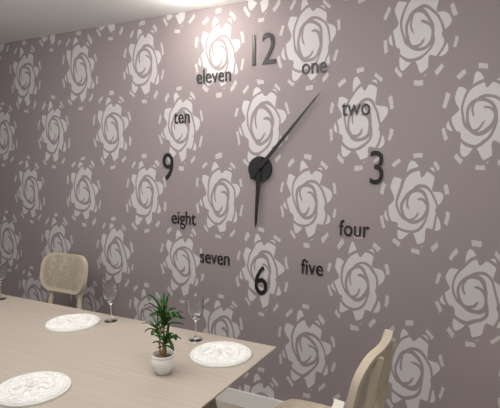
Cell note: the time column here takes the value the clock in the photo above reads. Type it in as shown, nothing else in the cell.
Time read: 6:07
